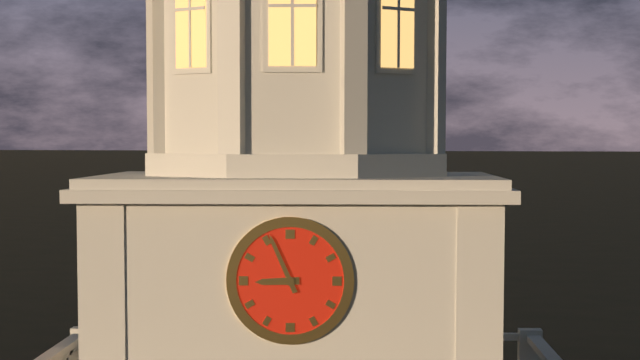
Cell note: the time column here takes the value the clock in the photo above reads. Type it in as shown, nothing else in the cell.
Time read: 8:56
